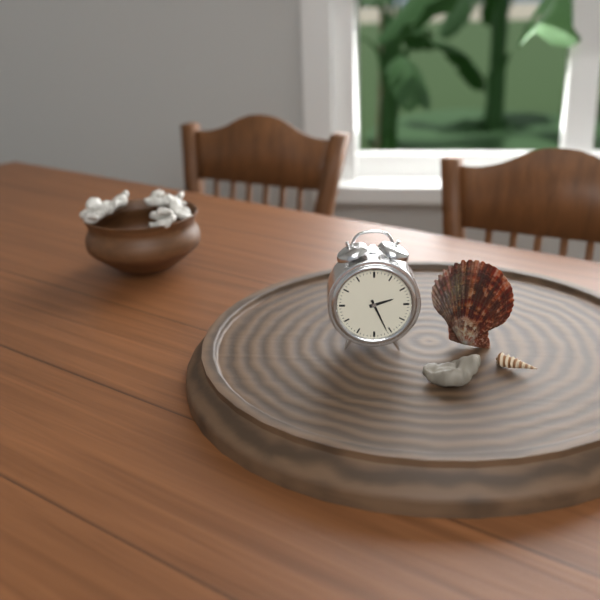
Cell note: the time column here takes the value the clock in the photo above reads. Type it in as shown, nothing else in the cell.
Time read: 2:26
